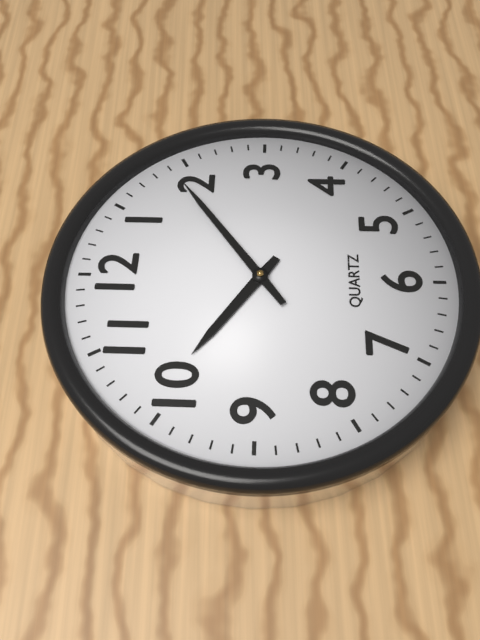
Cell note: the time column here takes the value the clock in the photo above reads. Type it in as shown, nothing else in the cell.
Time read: 10:09
